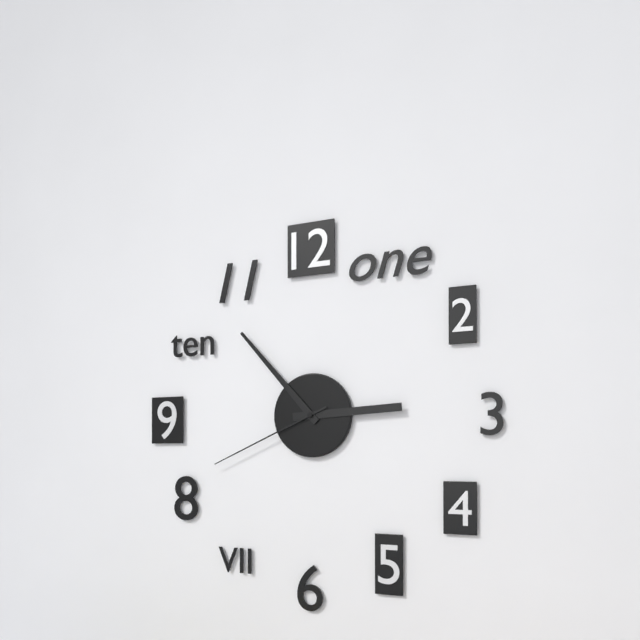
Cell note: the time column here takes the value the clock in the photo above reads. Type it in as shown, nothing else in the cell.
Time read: 2:53:41
